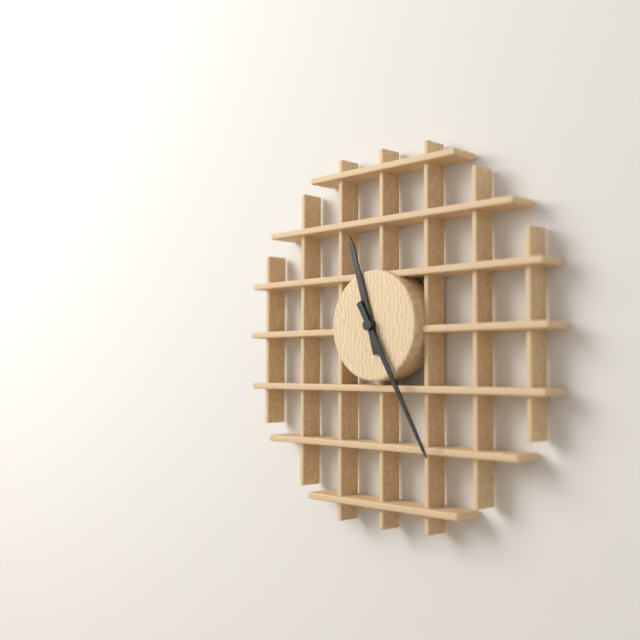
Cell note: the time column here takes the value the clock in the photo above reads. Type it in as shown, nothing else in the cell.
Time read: 11:25
